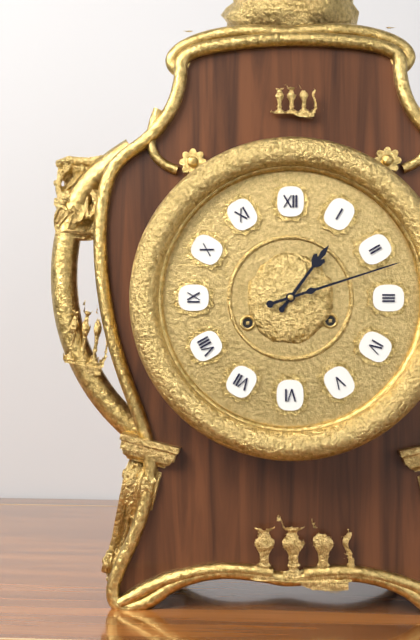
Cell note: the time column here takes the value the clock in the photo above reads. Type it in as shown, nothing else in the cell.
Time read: 1:12
